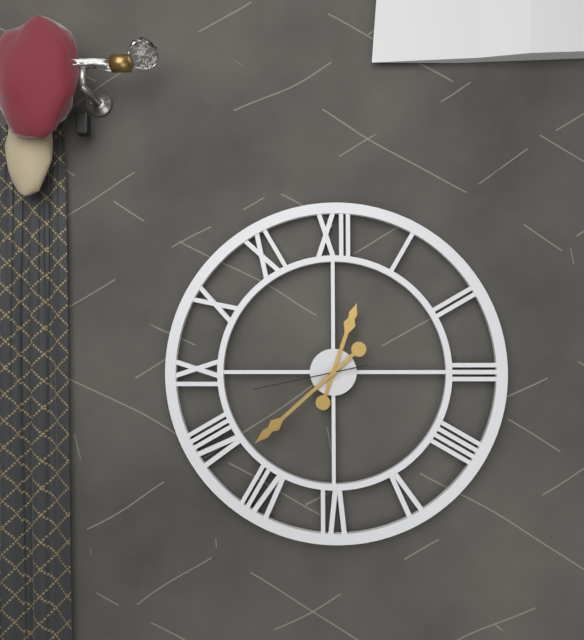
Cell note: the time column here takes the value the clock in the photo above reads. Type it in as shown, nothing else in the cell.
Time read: 12:38:43
